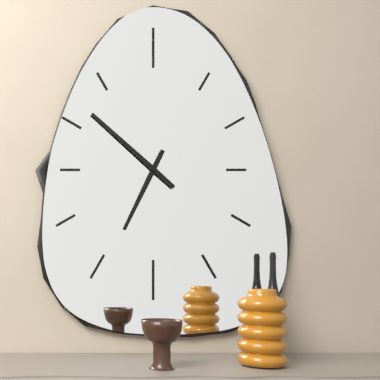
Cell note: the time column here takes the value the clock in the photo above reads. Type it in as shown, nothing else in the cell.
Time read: 6:52
